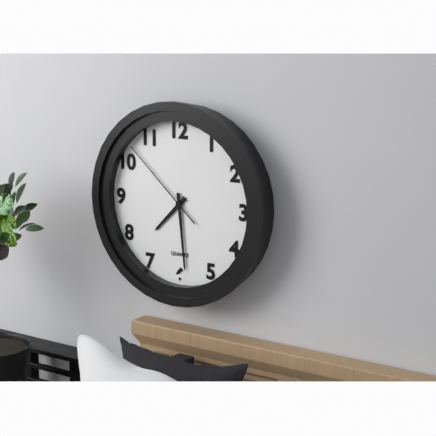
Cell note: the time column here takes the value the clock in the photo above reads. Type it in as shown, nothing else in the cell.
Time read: 7:29:52
